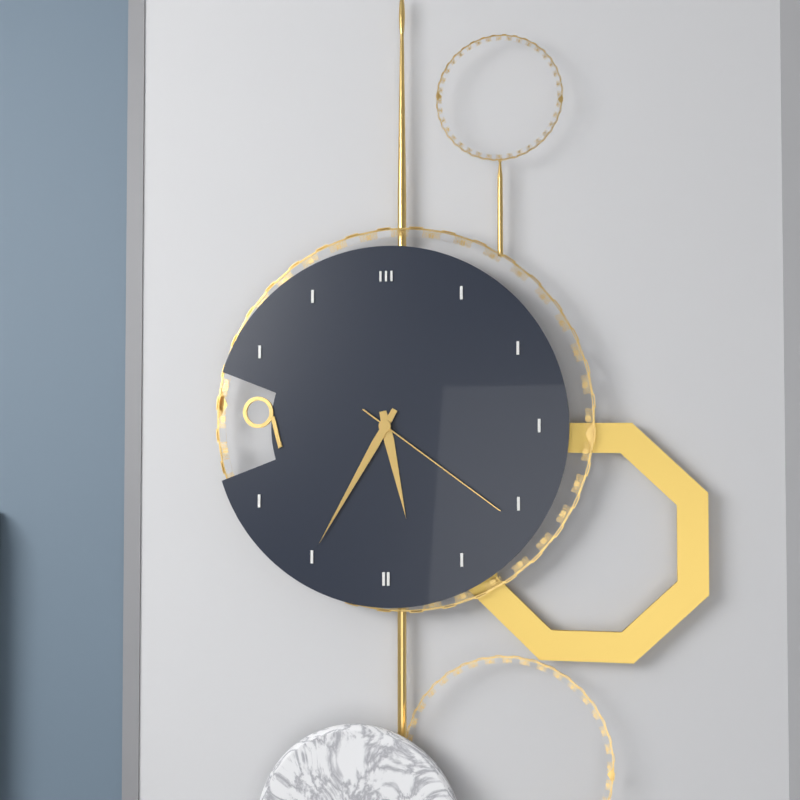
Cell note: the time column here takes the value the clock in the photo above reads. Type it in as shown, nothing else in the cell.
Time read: 5:35:21
